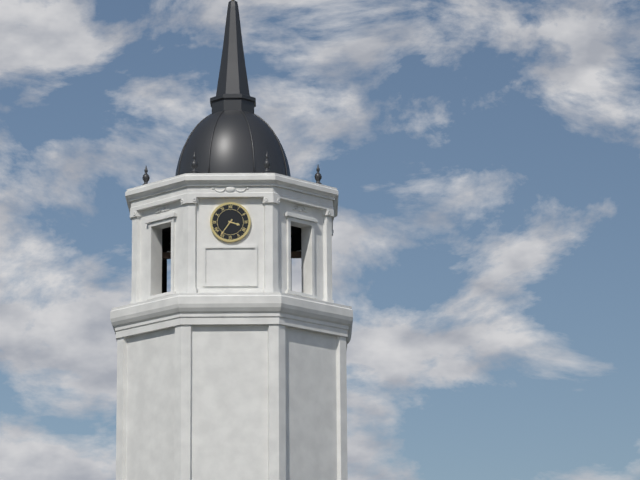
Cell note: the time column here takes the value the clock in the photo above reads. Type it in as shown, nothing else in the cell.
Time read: 3:36
